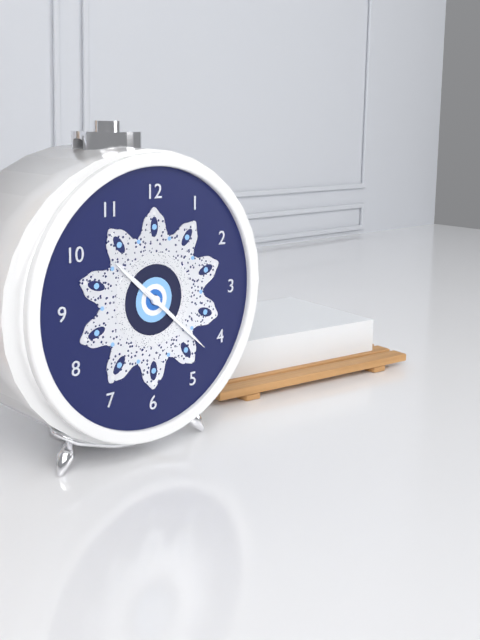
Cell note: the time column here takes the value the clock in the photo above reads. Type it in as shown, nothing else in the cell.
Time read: 10:22
